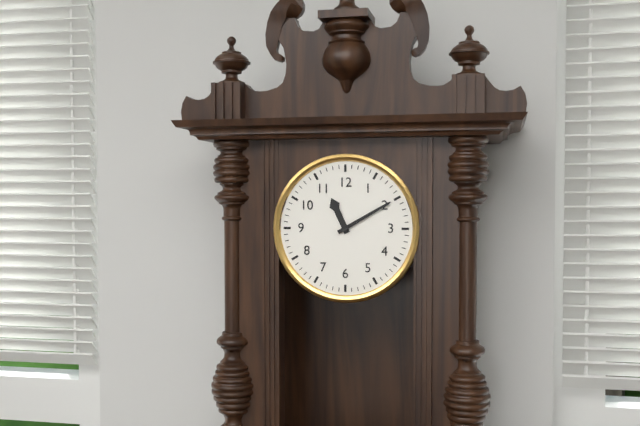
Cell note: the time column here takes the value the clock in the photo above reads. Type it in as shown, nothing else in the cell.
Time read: 11:10
